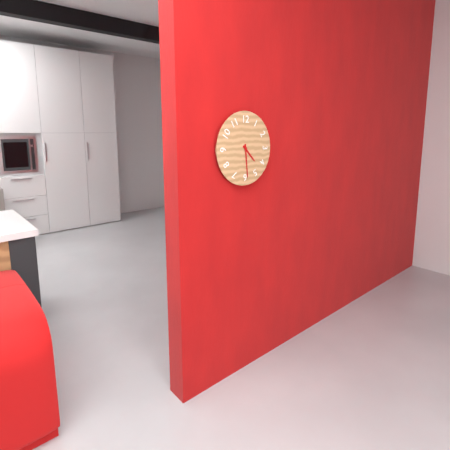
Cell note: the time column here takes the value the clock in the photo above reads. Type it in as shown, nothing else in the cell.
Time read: 4:29
